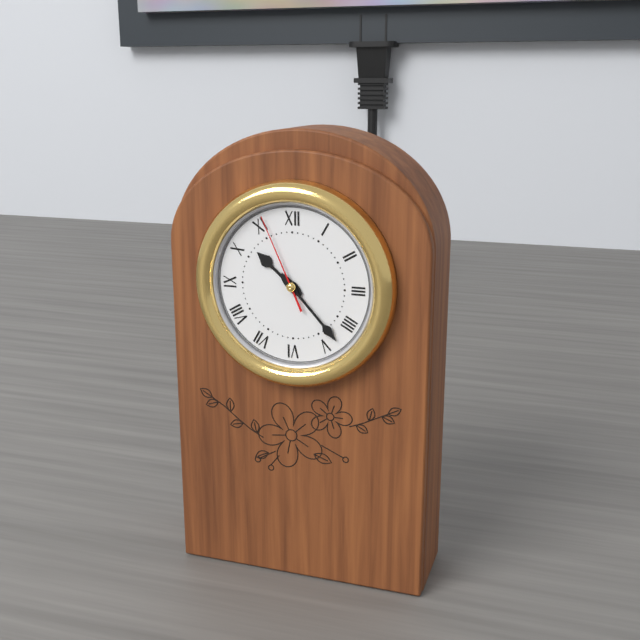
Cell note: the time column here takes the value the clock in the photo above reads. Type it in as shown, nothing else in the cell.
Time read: 10:23:56
